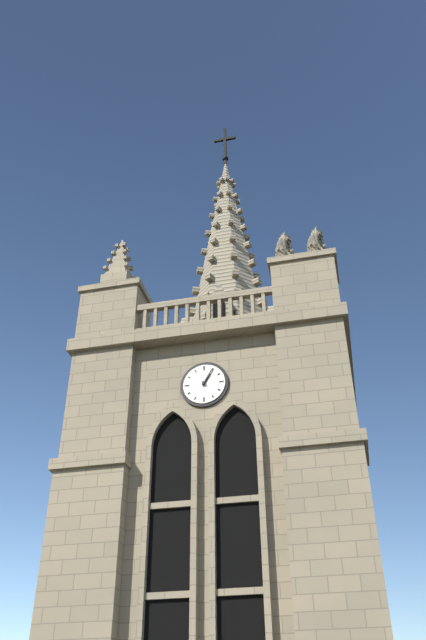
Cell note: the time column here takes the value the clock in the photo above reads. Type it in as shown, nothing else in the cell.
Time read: 1:05
